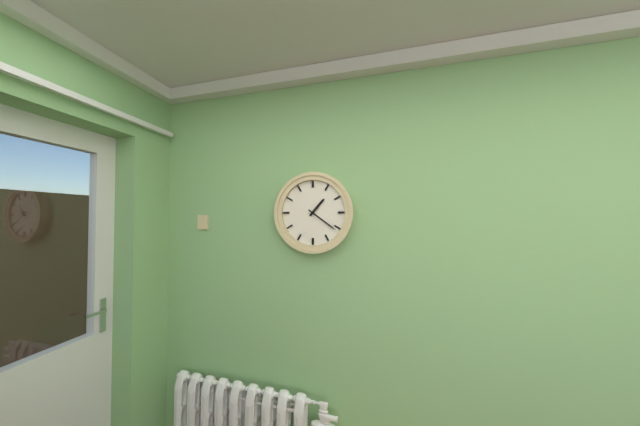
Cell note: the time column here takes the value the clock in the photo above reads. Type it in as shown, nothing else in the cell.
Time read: 1:21
